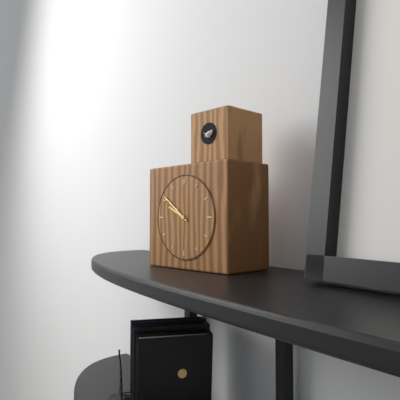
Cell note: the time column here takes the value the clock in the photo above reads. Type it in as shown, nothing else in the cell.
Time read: 9:51
